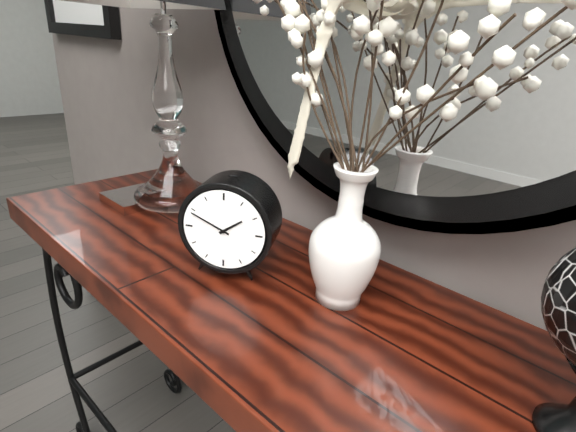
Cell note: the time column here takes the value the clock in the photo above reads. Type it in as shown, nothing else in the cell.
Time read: 1:49
